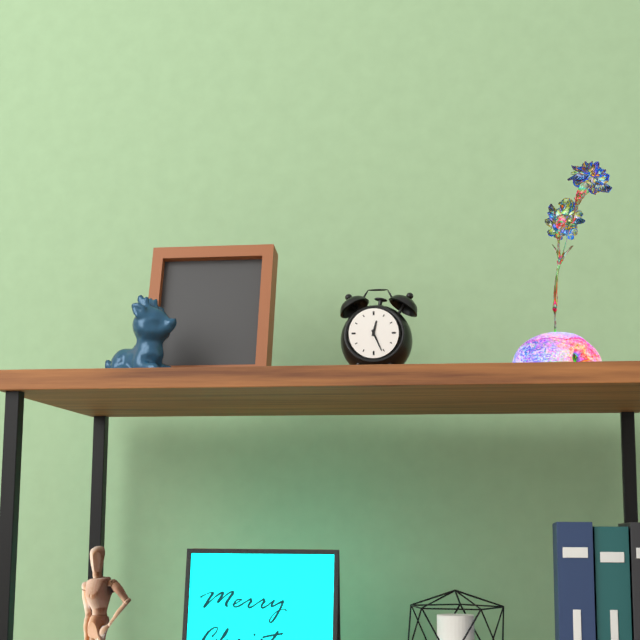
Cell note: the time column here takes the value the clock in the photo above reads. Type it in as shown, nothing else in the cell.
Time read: 12:26
